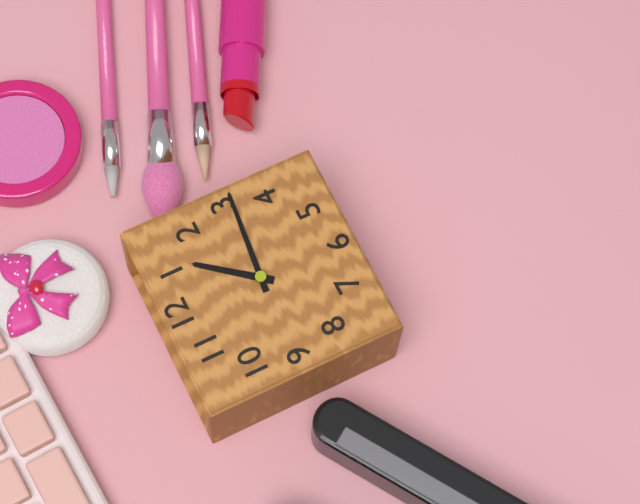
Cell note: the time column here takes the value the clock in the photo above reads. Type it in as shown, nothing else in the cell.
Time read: 1:16
